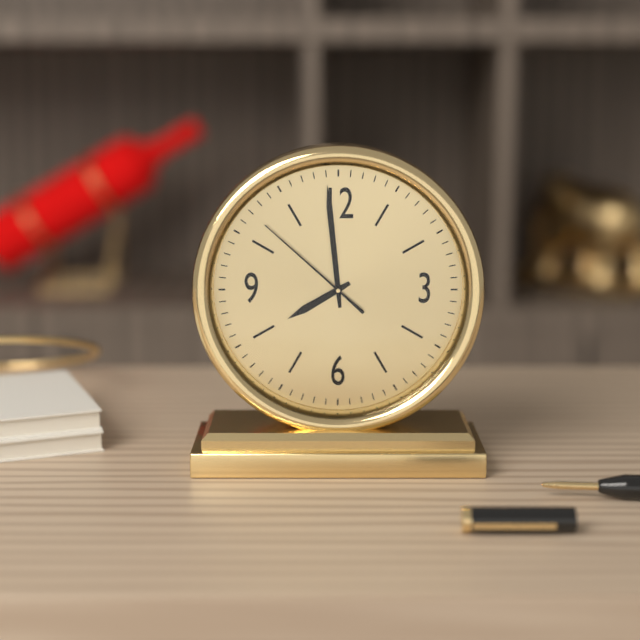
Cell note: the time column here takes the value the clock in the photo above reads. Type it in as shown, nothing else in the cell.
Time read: 7:59:52
